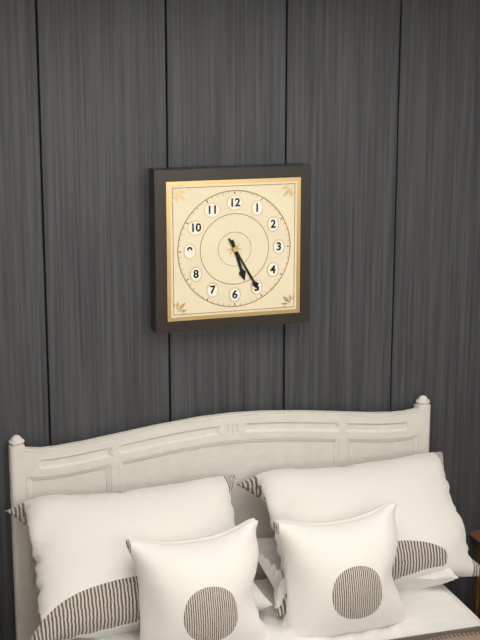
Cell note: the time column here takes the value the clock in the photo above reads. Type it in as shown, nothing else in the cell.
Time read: 5:25
